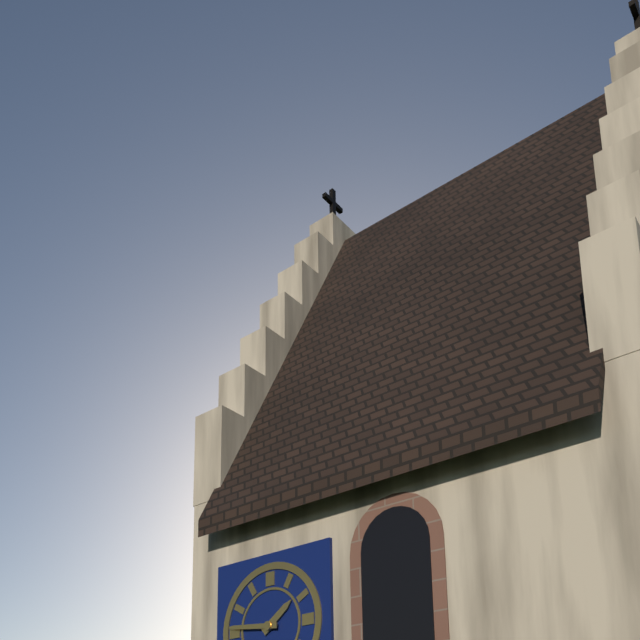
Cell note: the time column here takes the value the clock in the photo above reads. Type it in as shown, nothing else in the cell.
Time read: 1:46
